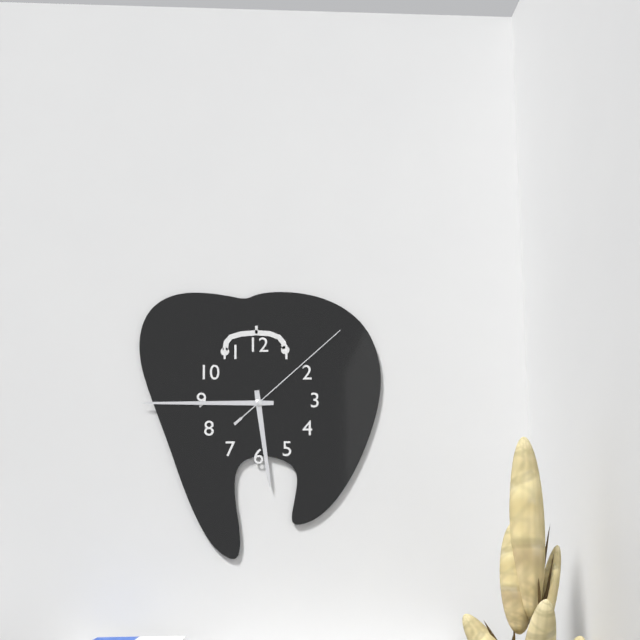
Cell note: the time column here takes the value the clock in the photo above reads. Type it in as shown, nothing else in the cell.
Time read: 5:45:08
